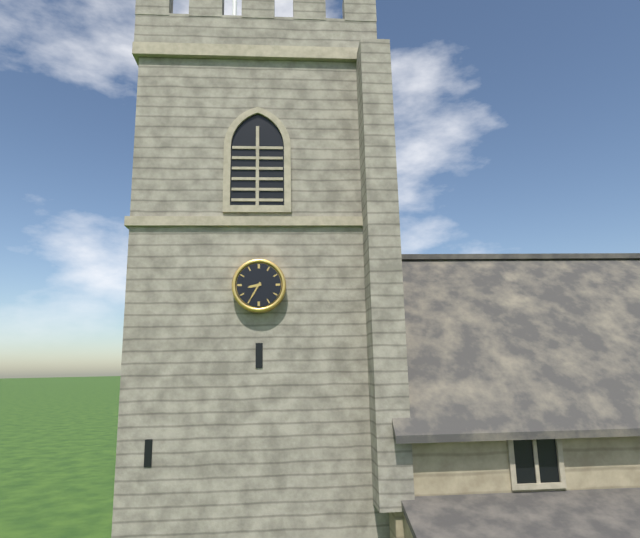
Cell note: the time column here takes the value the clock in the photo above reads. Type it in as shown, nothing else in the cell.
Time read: 8:35
